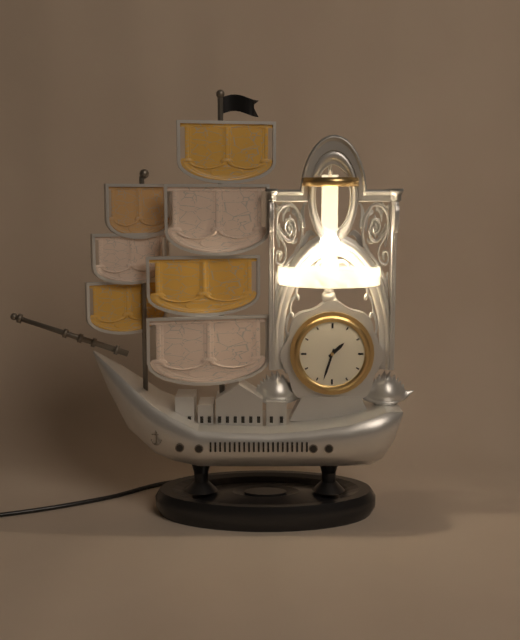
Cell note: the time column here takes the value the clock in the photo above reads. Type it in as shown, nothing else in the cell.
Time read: 1:33
